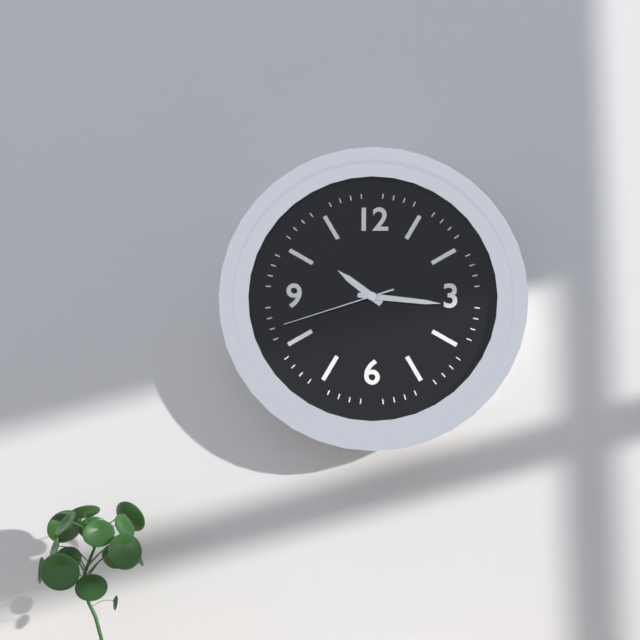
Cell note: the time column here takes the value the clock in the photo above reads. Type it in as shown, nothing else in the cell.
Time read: 10:16:42
